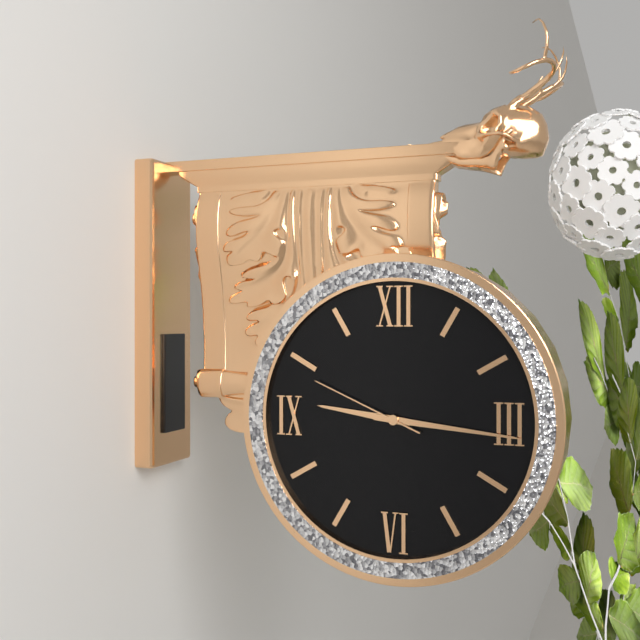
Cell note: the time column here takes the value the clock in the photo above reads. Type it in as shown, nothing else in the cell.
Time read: 9:16:49
